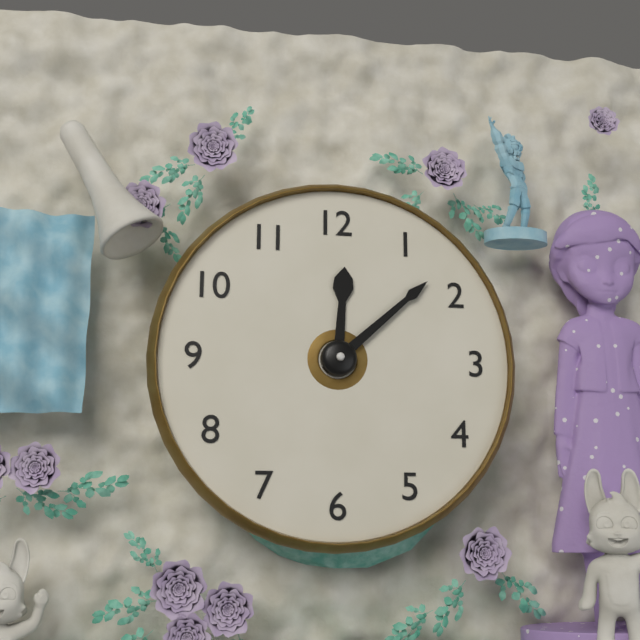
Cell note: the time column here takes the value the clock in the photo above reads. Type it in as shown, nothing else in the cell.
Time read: 12:08
